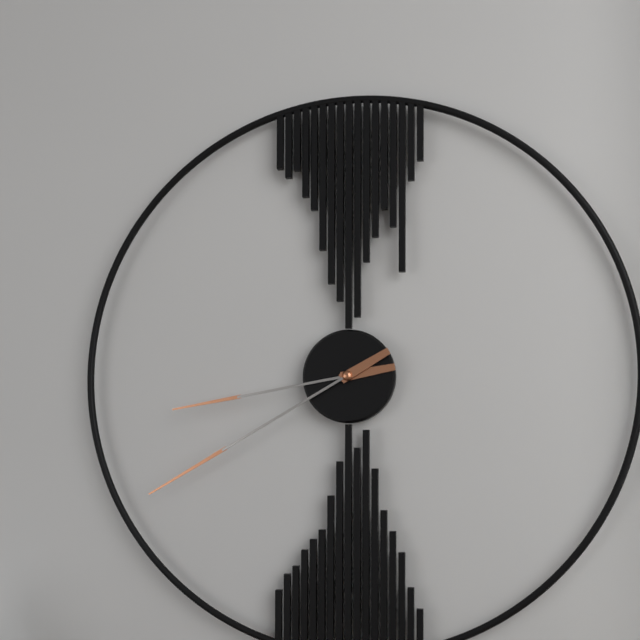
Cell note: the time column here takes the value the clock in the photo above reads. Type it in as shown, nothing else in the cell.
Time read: 8:40
